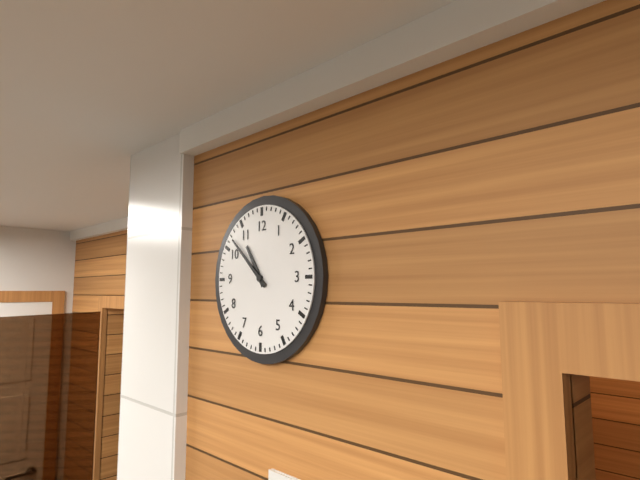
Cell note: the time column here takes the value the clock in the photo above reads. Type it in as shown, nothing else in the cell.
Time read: 10:52
